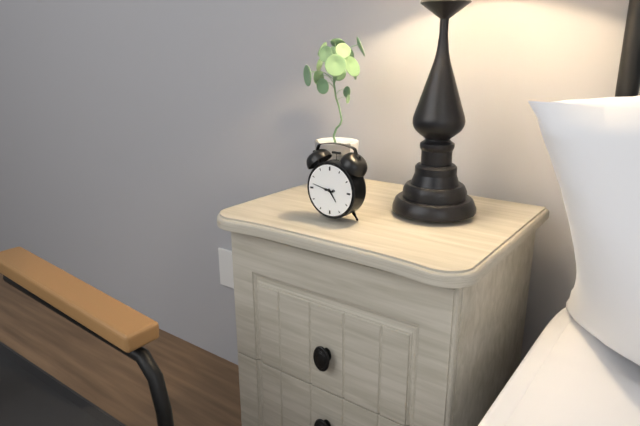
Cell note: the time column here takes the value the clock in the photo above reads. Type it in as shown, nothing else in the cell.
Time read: 4:47
